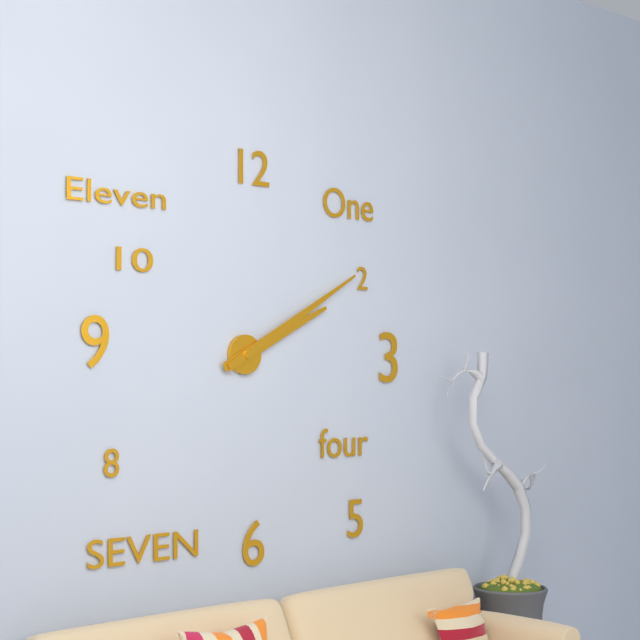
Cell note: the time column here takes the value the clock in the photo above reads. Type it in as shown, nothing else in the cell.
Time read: 2:10
